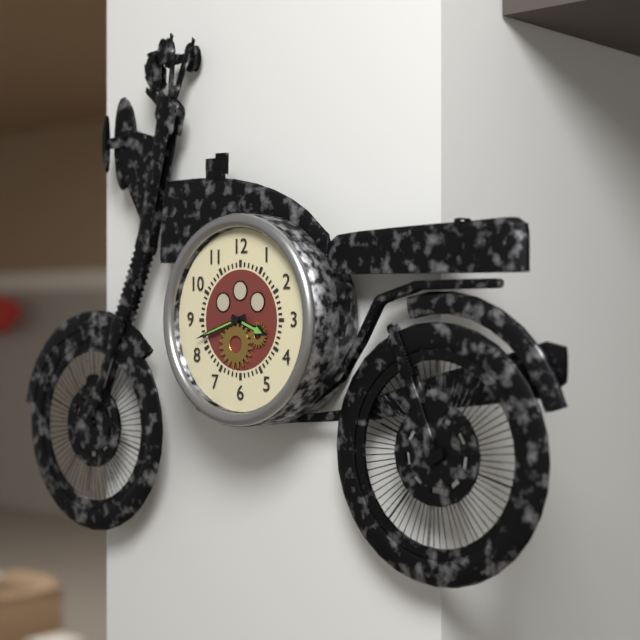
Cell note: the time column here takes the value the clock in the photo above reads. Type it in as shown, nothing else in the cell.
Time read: 3:42
